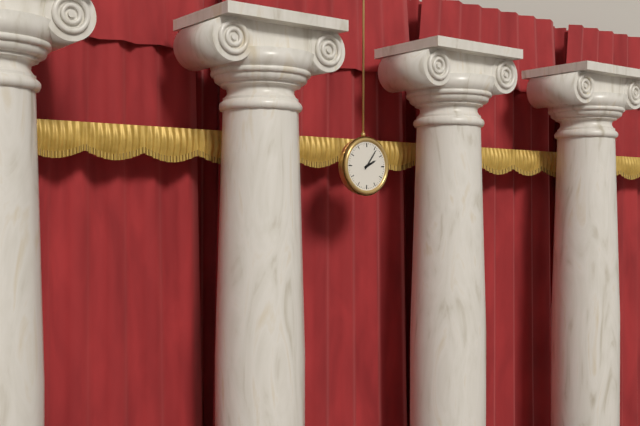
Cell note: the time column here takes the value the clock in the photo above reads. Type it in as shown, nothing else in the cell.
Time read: 2:06
